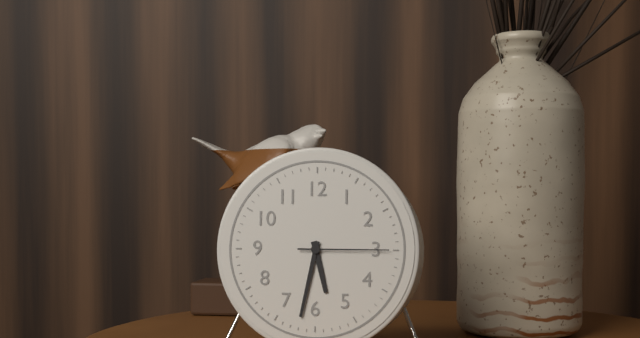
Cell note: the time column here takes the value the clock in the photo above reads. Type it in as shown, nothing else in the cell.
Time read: 5:32:15
